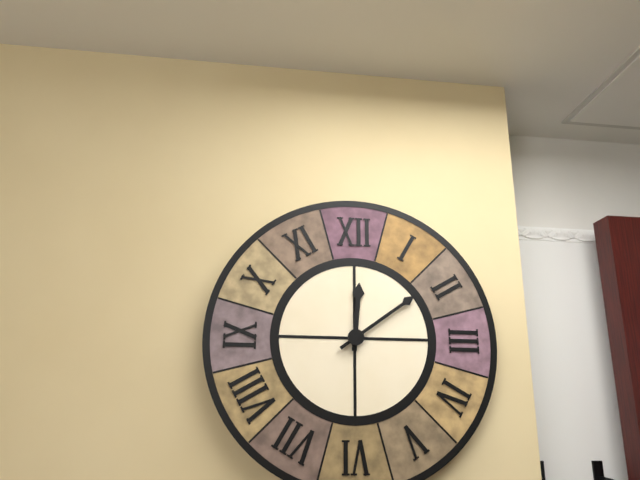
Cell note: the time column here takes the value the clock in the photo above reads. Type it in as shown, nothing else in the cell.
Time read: 12:09
